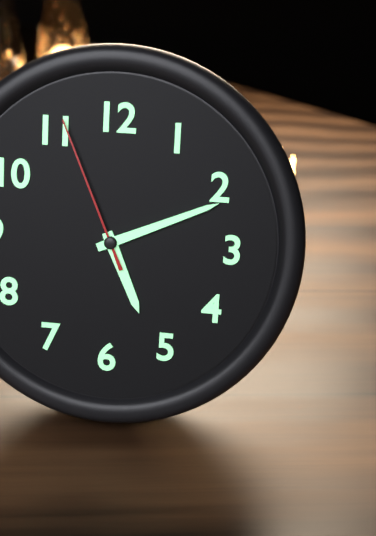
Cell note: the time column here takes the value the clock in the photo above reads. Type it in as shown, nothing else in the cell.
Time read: 5:11:56
